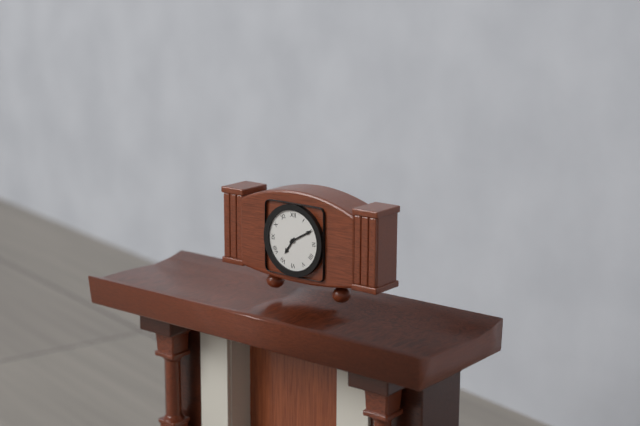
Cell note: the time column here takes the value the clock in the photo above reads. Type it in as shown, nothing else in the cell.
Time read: 7:10
